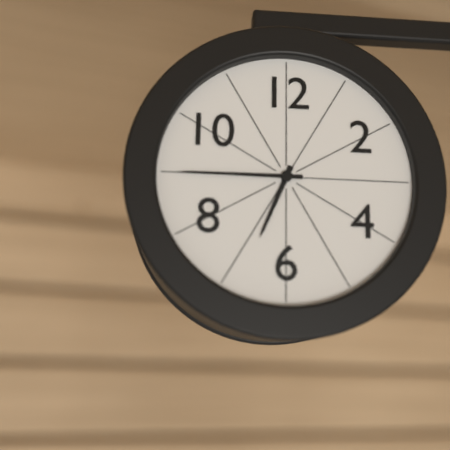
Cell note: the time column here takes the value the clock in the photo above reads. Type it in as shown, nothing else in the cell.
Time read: 6:45
